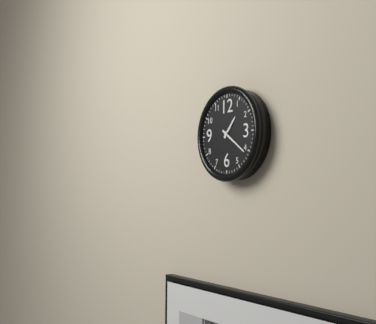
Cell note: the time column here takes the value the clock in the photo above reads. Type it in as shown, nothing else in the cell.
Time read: 1:21
